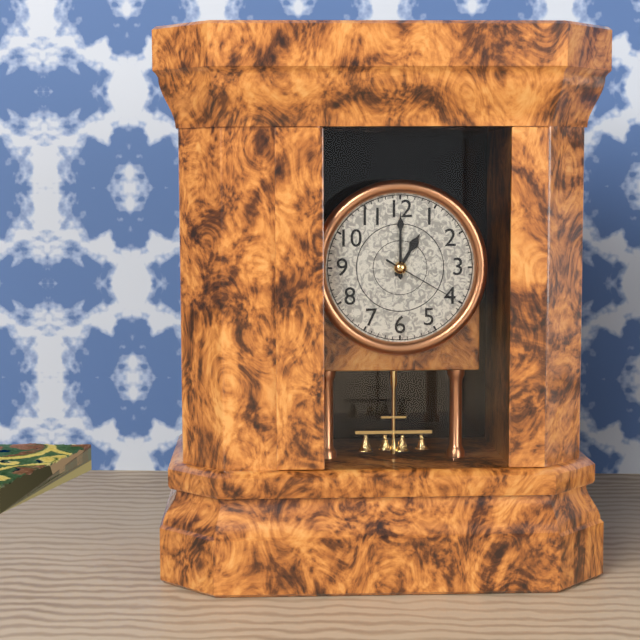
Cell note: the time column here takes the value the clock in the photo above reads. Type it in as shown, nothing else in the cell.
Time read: 1:00:20
